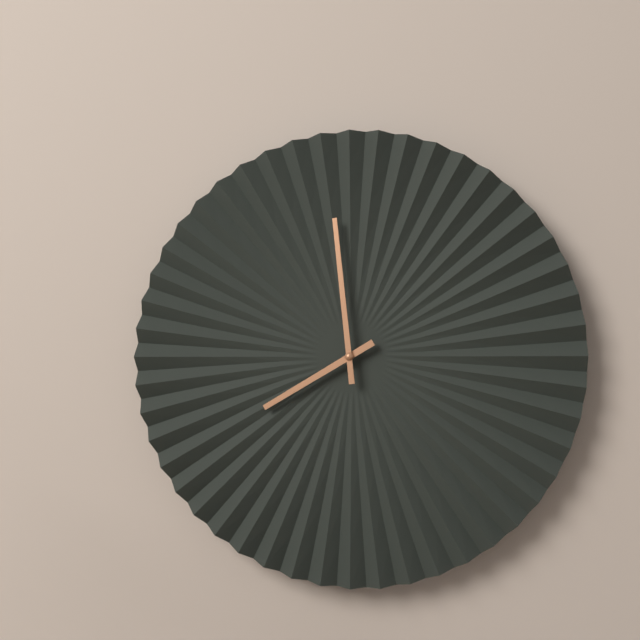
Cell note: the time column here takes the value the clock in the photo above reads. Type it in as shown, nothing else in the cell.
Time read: 7:59
